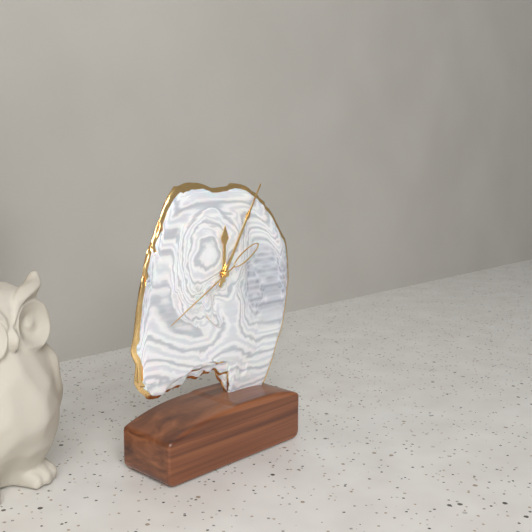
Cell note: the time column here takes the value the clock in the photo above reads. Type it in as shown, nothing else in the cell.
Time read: 12:05:40
